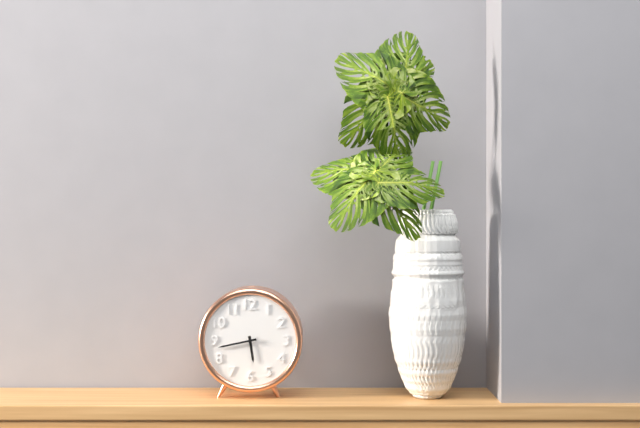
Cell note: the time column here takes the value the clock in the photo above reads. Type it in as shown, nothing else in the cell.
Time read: 5:43
